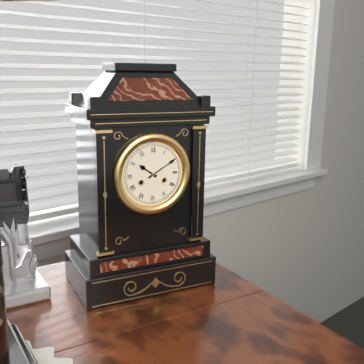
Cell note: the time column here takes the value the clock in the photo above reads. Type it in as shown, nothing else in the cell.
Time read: 10:10
